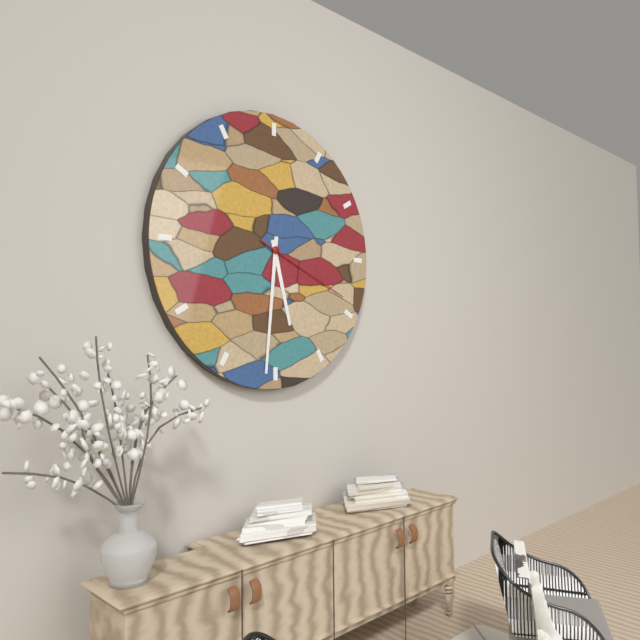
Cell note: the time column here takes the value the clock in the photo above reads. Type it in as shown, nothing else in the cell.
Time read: 5:31:19
